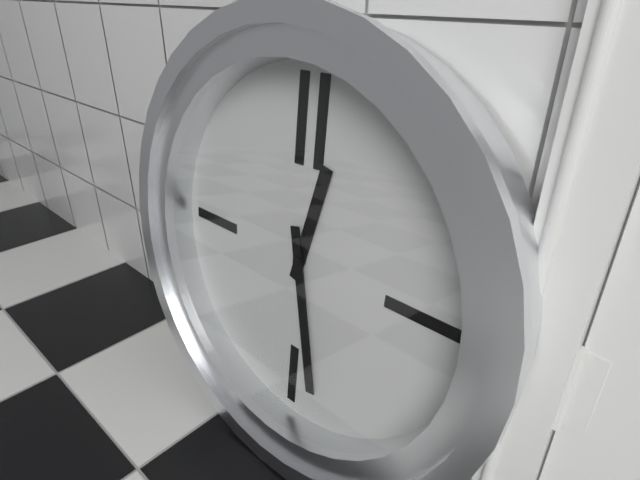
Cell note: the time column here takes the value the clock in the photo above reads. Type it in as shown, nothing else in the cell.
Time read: 12:28
